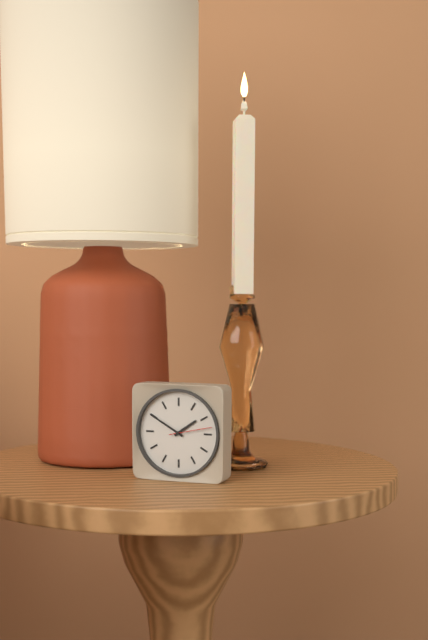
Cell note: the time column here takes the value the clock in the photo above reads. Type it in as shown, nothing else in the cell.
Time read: 1:50
